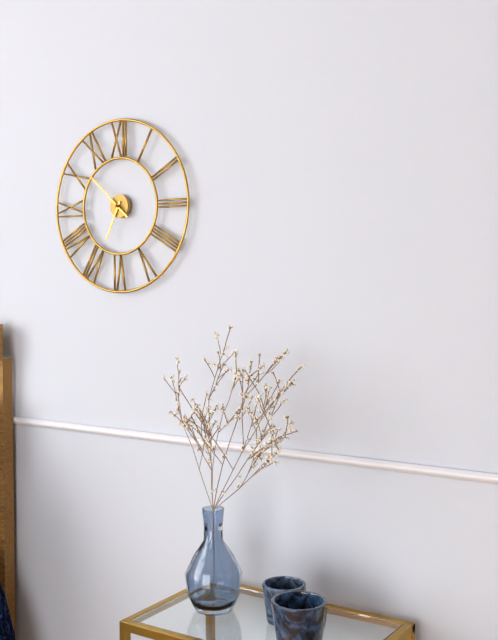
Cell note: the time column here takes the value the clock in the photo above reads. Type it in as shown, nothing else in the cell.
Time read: 6:52
